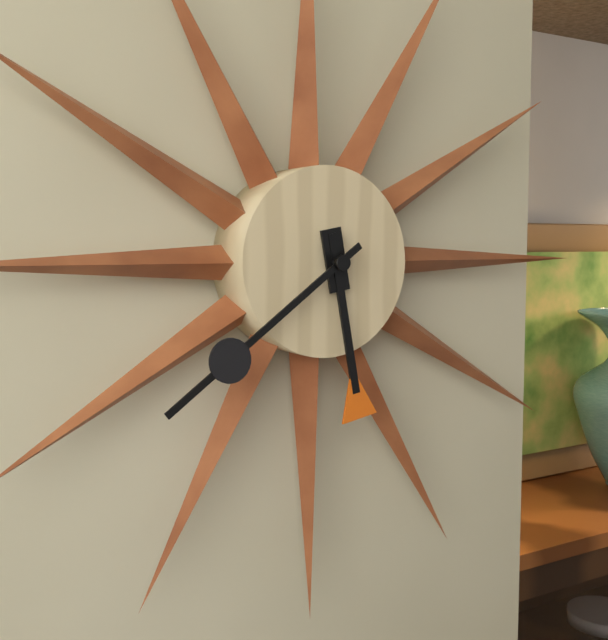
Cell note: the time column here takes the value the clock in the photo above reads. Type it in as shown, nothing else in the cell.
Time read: 5:39
